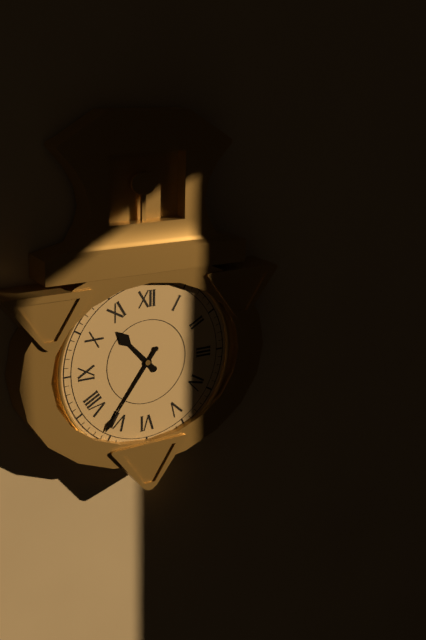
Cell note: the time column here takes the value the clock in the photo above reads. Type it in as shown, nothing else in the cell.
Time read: 10:36
